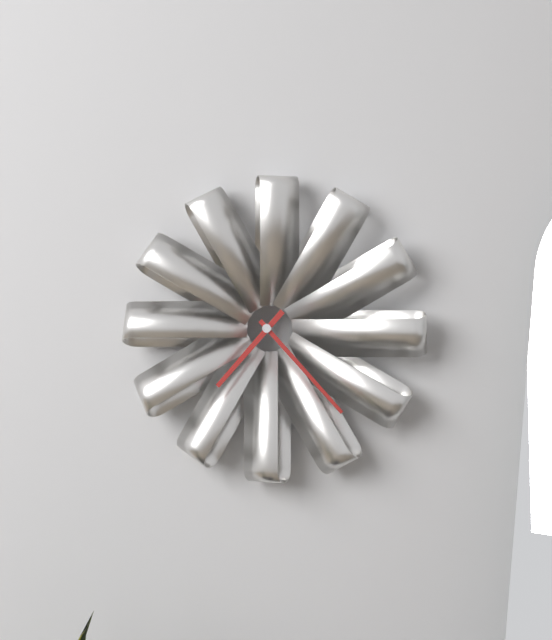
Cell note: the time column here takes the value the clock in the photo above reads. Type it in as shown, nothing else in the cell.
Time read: 7:23
